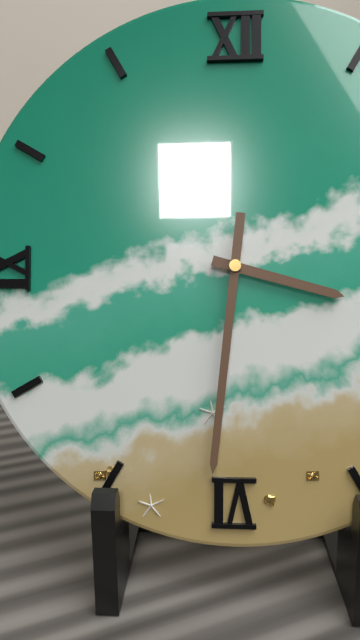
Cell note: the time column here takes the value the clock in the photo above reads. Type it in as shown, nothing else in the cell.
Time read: 3:31
